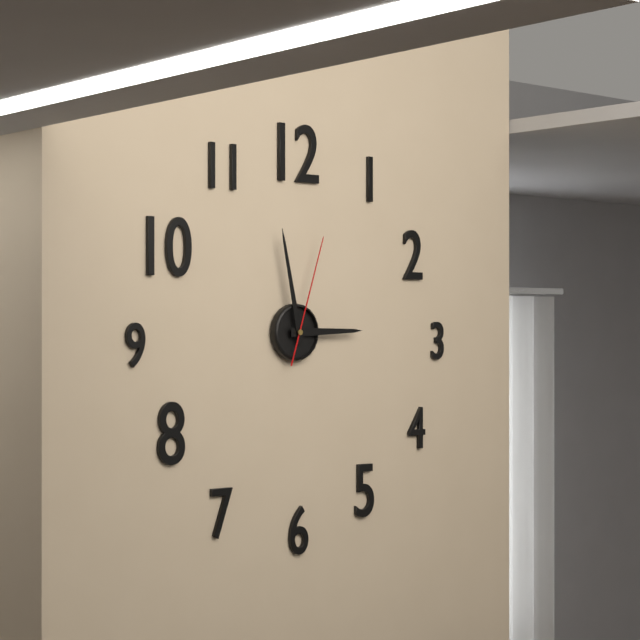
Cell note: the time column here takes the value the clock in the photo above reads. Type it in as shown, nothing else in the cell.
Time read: 2:58:03
